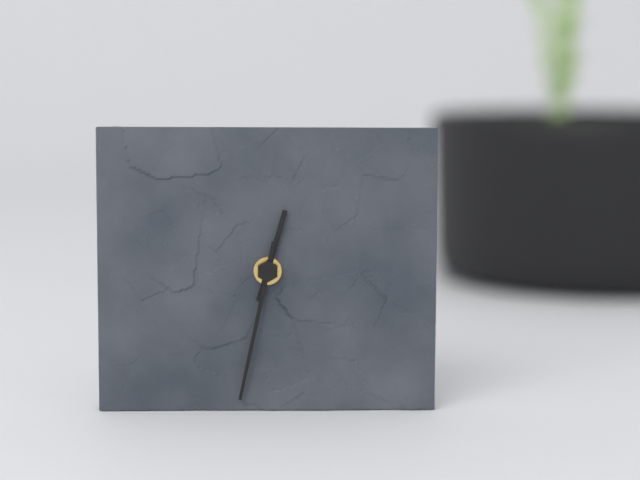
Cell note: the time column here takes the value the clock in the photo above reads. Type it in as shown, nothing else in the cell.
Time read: 12:32
